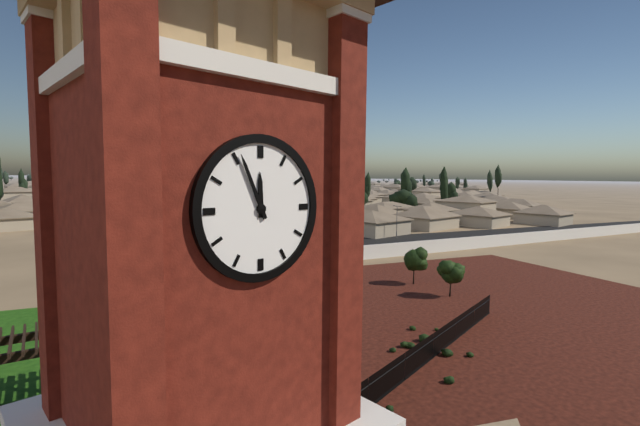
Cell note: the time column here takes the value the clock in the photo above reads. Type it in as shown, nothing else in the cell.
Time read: 11:56
